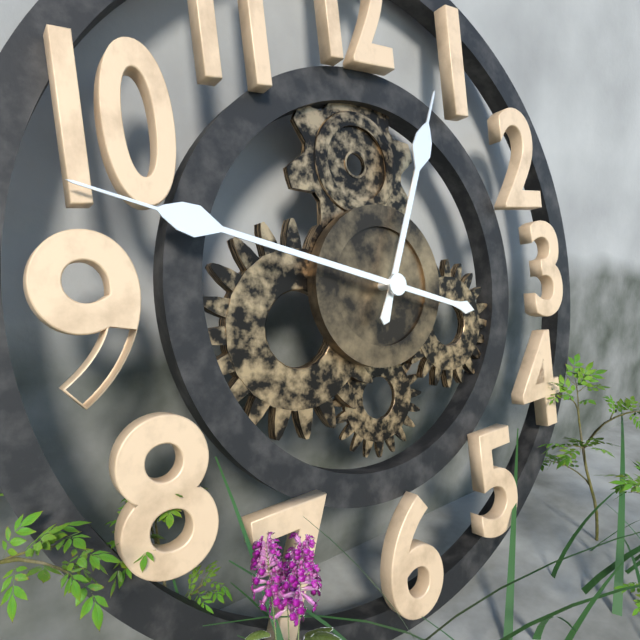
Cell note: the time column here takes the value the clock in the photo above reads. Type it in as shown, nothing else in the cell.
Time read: 12:48
